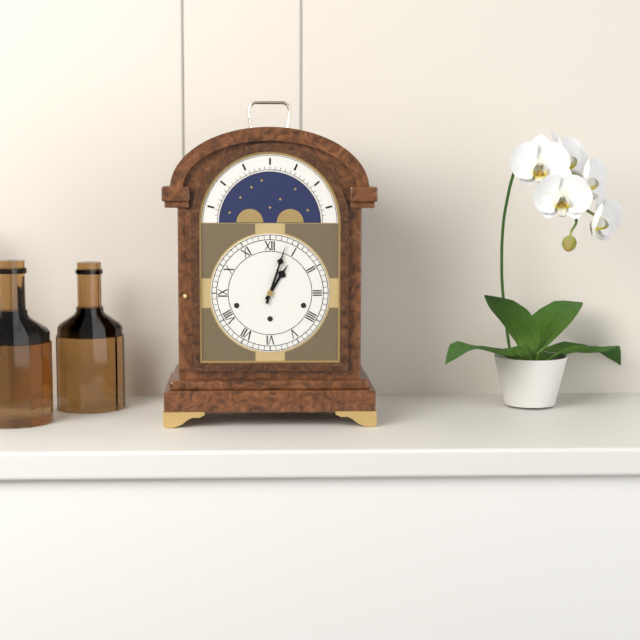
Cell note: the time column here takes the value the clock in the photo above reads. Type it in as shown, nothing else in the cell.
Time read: 1:03
